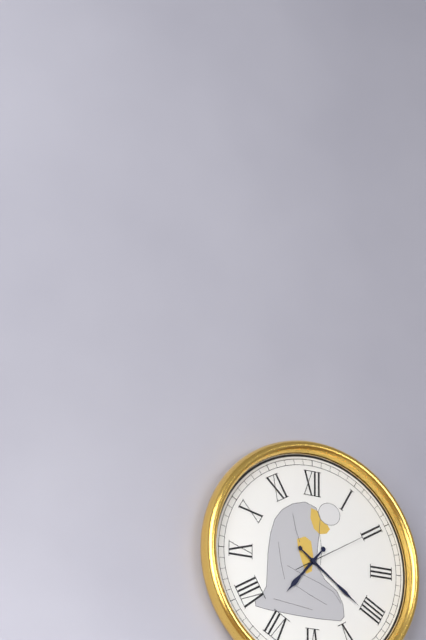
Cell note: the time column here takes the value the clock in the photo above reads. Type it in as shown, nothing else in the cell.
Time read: 7:21:10
